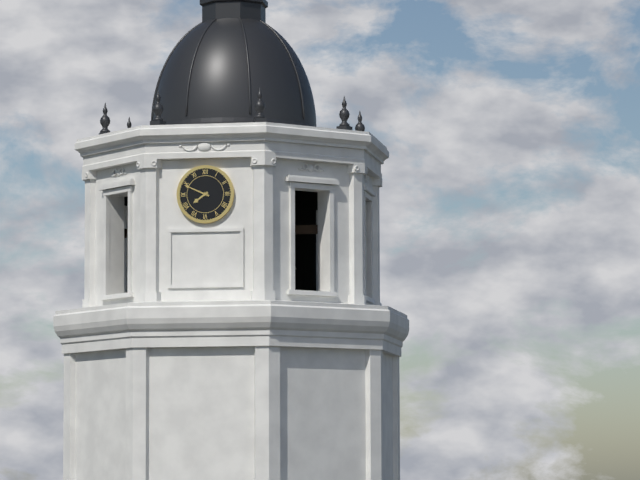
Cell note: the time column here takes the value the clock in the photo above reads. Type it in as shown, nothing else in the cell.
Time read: 7:49
